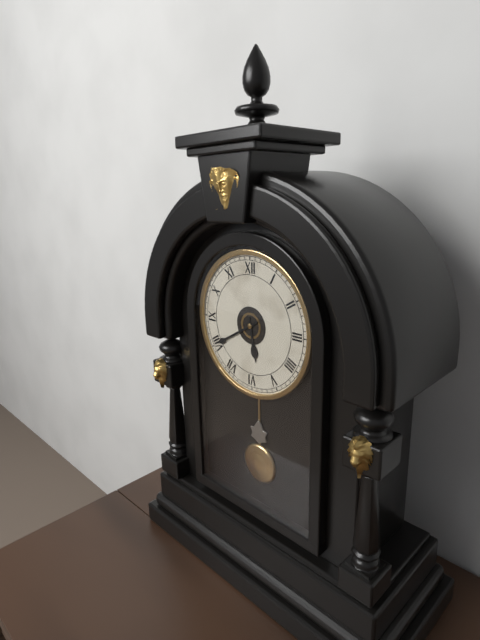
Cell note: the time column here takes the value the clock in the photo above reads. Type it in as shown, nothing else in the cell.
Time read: 5:40
